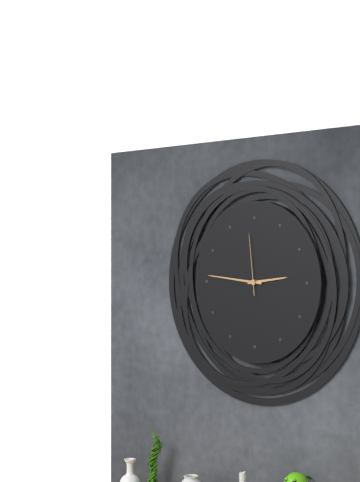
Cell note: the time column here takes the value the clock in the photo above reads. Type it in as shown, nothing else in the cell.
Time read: 2:46:59
